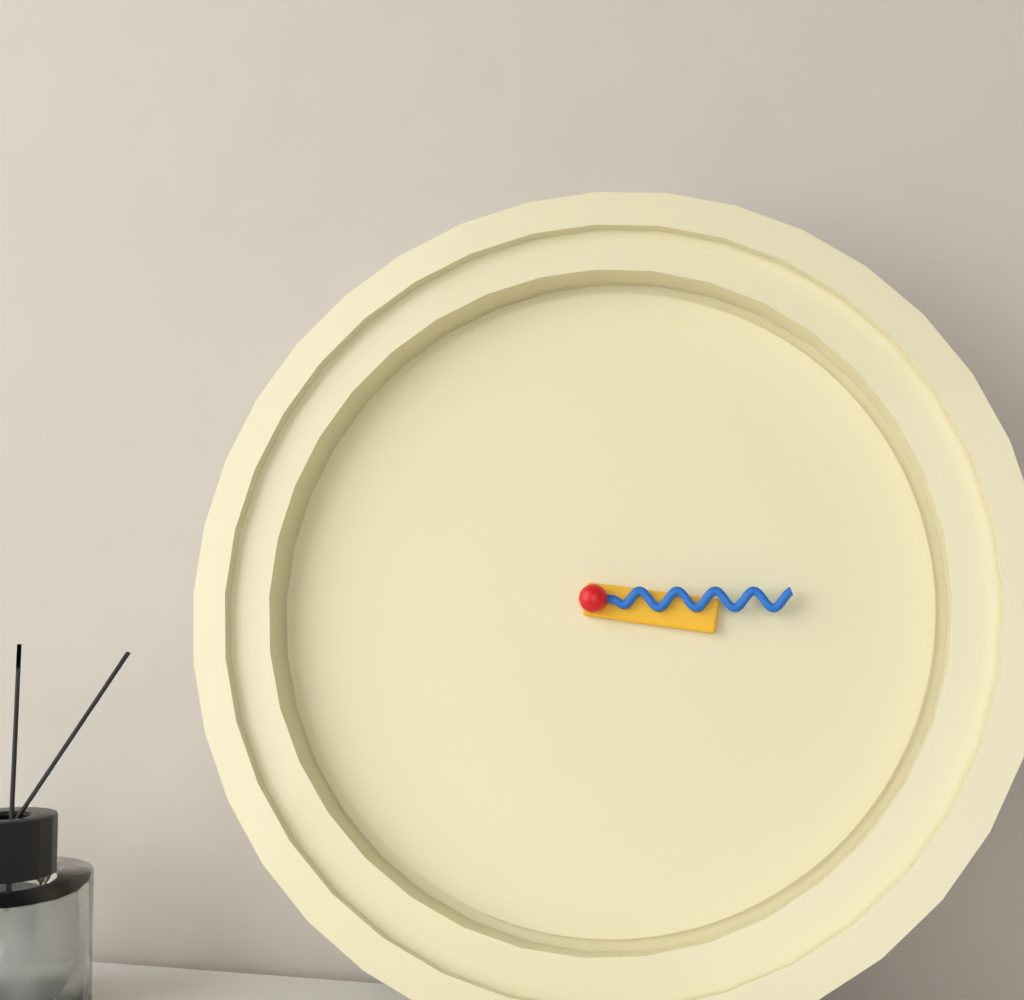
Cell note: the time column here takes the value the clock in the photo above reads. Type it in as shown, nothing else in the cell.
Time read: 3:15
